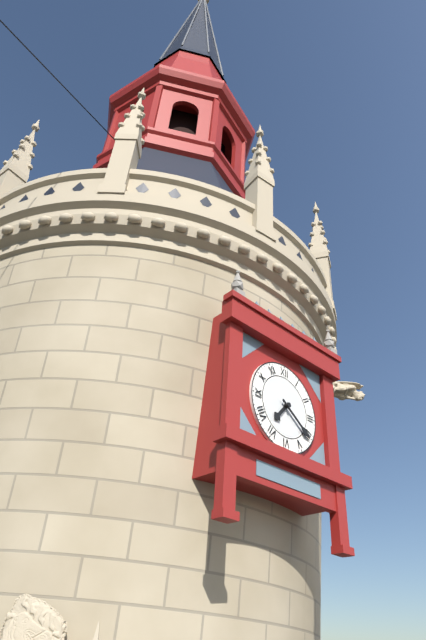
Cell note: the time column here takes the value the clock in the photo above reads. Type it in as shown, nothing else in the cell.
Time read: 7:21
